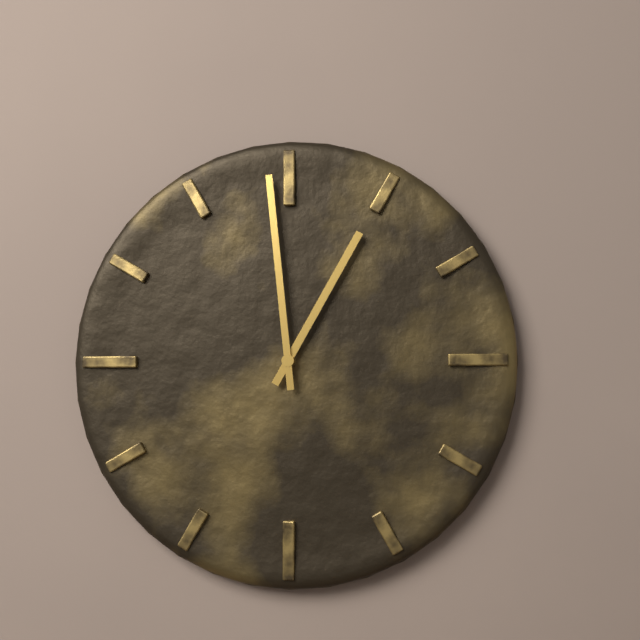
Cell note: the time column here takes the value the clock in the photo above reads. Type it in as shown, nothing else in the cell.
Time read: 12:59
